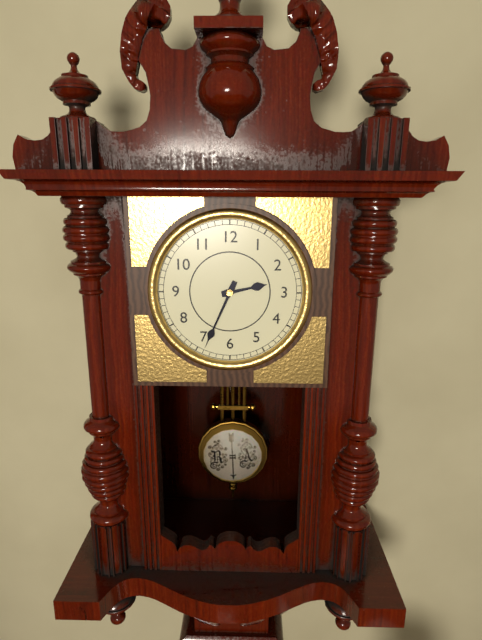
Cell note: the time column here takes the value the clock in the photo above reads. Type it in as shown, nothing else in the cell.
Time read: 2:34
